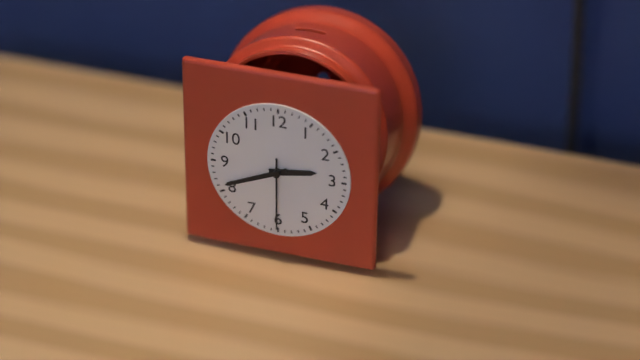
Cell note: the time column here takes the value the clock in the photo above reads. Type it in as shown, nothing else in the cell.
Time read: 2:41:30
